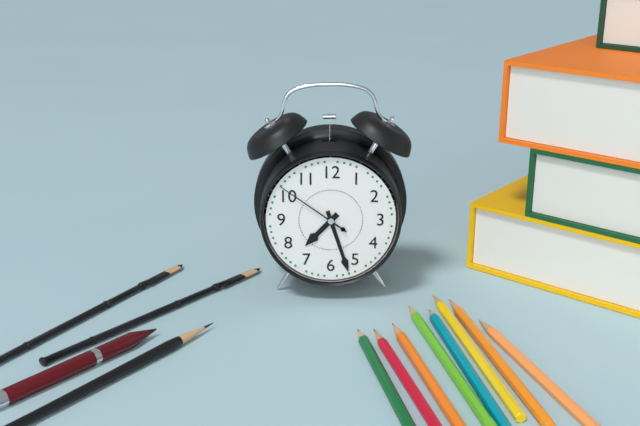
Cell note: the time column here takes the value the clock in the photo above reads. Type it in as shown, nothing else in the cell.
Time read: 7:27:51
